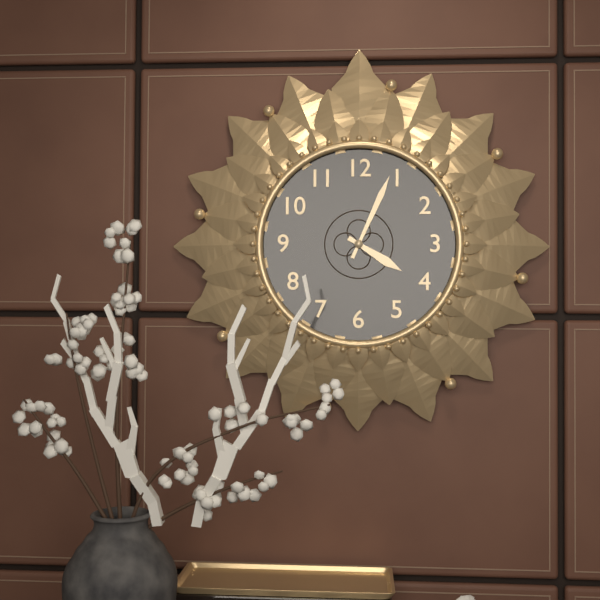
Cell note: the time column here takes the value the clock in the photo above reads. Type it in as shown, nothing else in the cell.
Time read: 4:04
